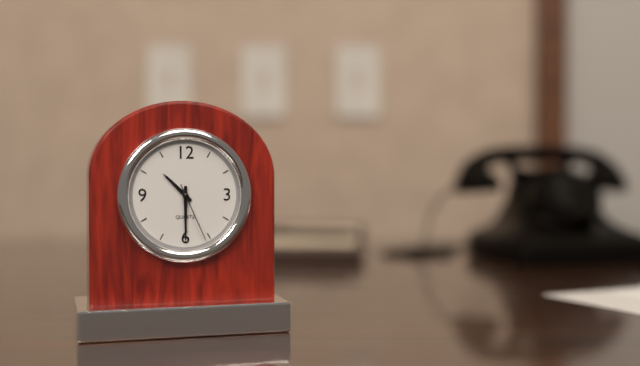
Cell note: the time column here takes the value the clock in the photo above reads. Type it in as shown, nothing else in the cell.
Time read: 10:30:26
